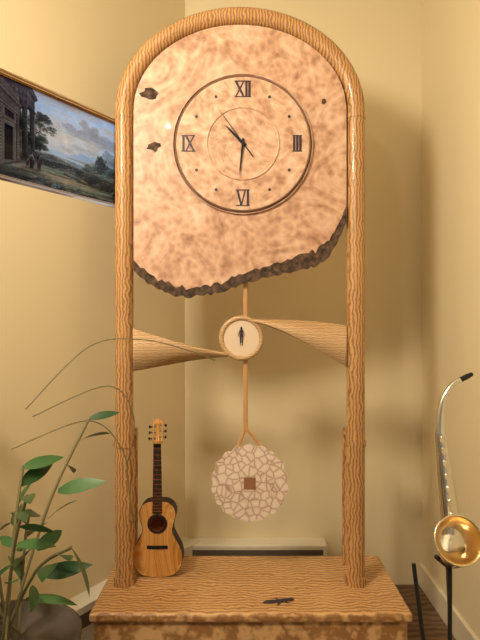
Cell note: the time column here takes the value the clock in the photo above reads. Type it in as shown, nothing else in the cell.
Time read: 10:31:54
